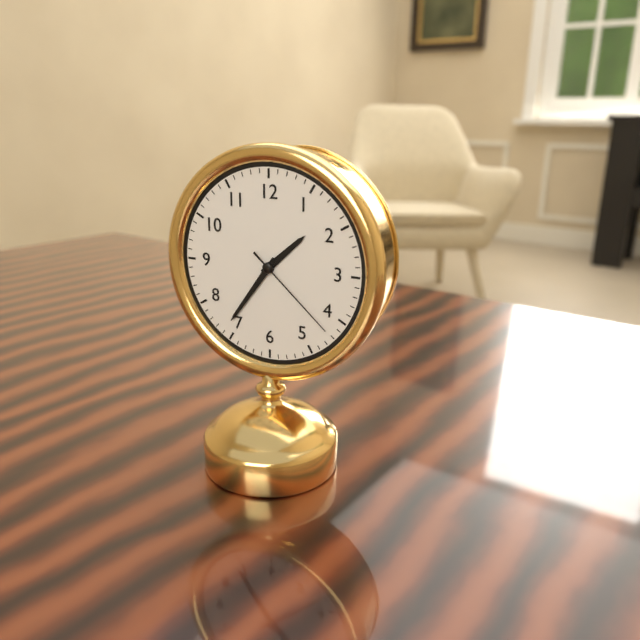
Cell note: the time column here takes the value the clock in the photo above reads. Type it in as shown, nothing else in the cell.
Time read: 1:36:22
